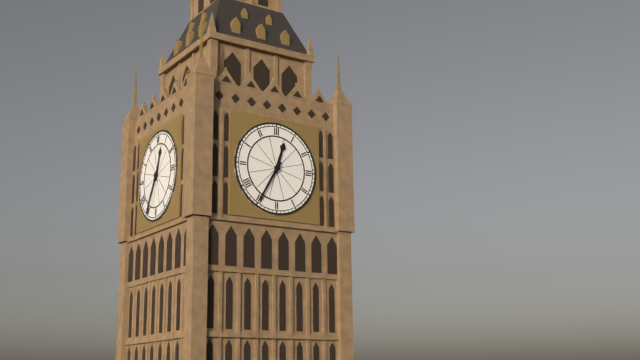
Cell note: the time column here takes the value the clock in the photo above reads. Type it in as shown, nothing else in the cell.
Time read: 12:35
